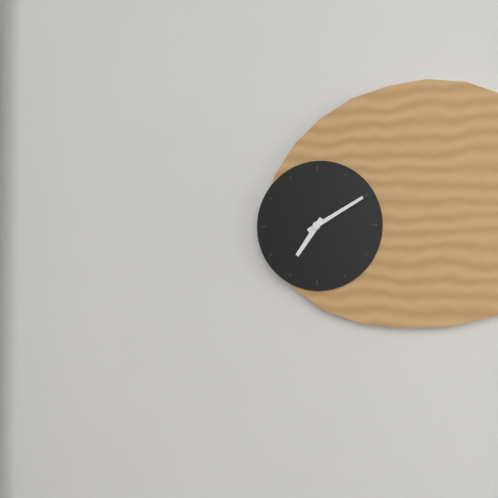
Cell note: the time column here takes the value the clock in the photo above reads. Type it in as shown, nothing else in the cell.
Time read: 7:10
